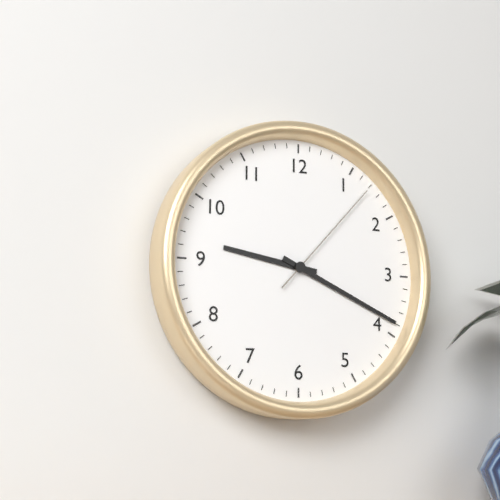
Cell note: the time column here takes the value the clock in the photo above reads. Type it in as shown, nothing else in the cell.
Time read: 9:19:07
